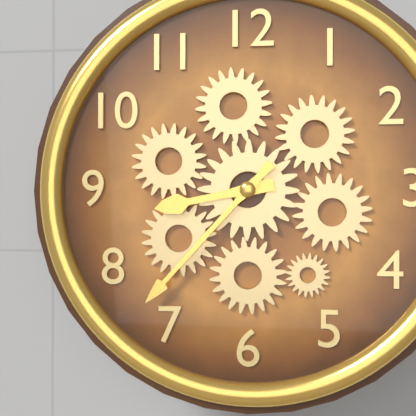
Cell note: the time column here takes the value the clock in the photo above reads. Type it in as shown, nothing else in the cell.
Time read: 8:37
